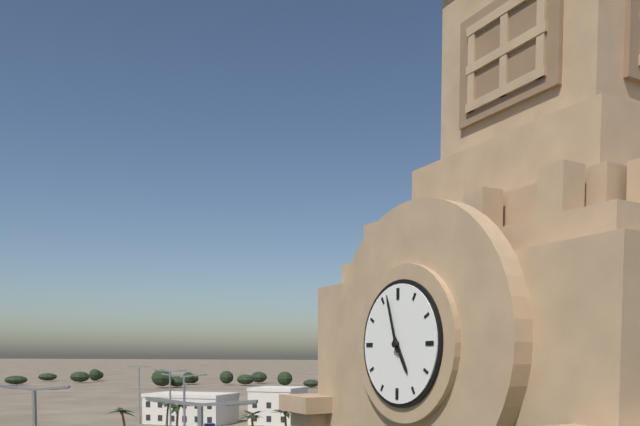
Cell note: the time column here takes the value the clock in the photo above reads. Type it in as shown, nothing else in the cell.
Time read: 4:57
